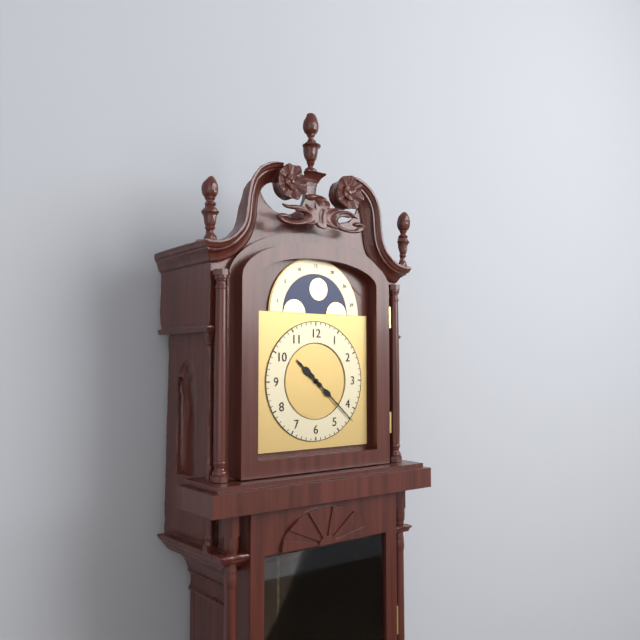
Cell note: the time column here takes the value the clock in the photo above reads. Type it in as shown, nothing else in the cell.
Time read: 10:22
